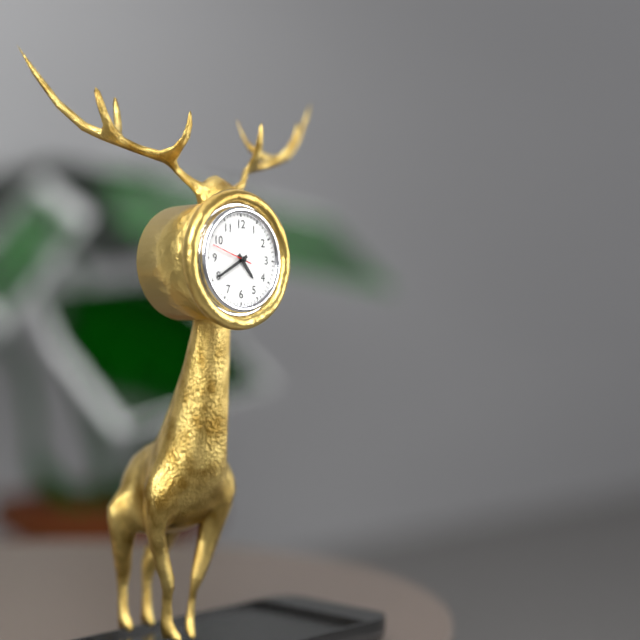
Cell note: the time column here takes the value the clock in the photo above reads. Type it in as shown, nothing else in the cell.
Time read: 4:40
